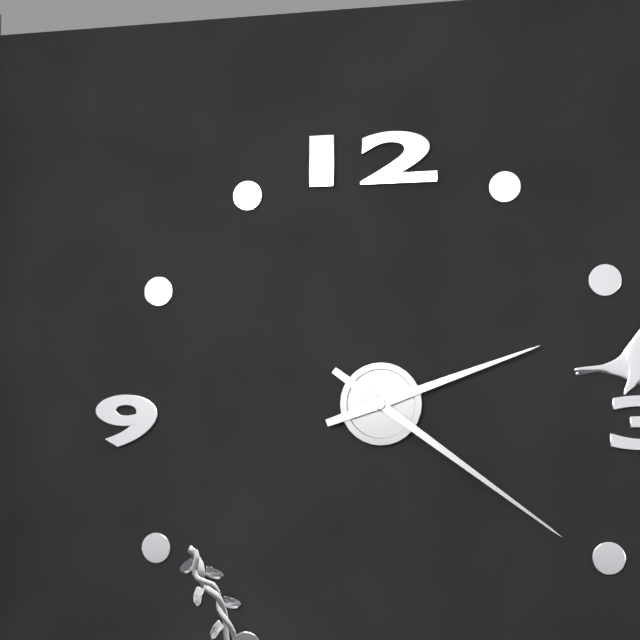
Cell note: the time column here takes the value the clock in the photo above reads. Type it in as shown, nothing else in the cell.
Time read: 2:21
